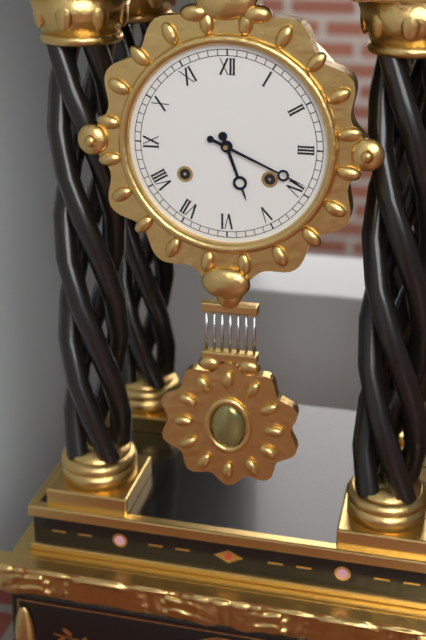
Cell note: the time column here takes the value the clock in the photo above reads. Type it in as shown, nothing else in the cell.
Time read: 5:19
